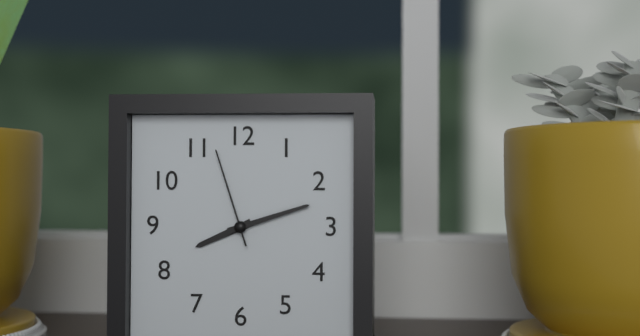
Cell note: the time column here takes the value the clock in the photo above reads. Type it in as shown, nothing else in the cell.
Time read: 8:12:57
